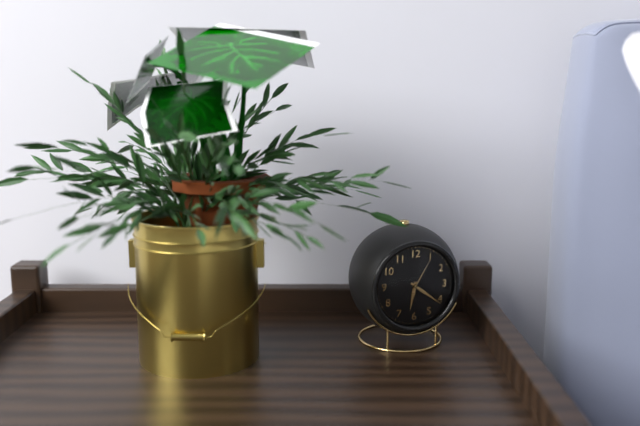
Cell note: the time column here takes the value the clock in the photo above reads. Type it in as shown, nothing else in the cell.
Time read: 6:21
